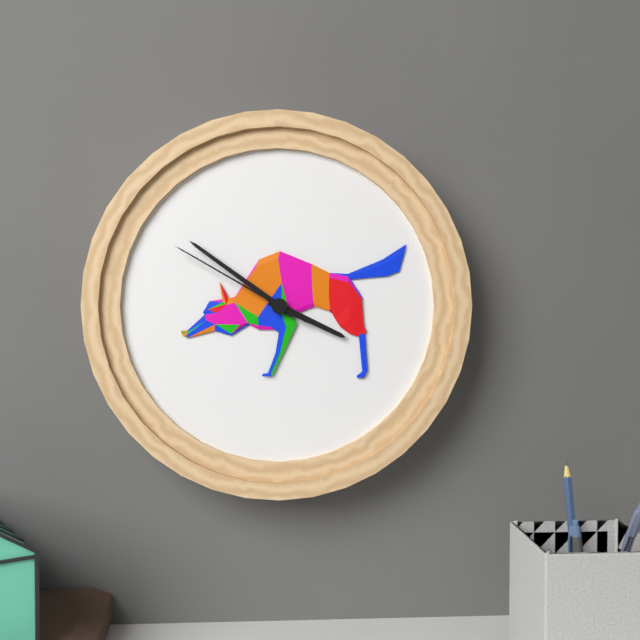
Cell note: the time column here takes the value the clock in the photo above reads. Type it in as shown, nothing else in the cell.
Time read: 3:51:50
